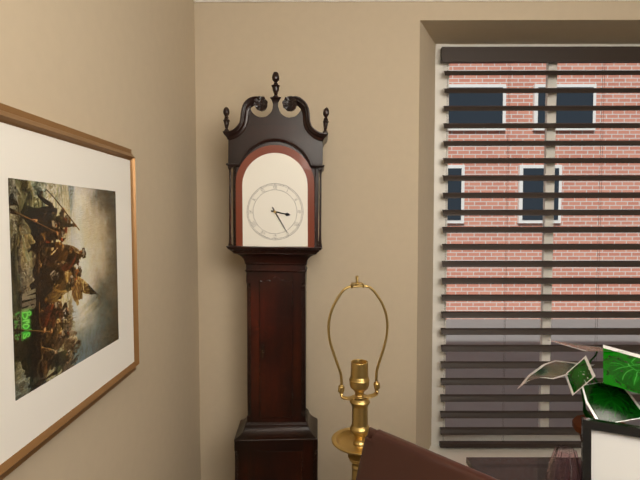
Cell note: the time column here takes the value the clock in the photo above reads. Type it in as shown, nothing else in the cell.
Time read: 3:25
